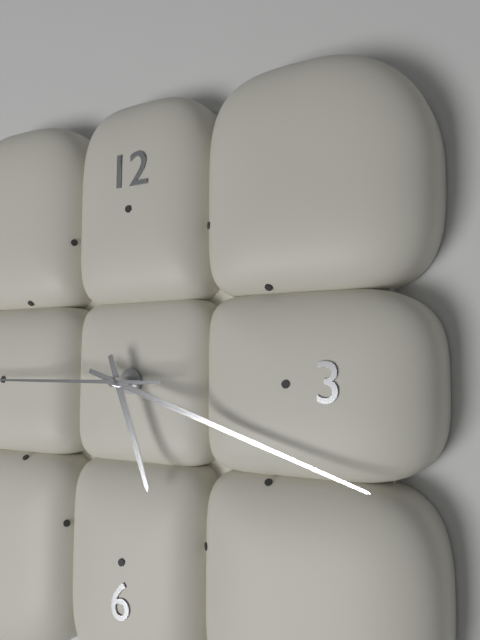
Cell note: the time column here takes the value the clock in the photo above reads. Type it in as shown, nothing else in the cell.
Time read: 5:18
